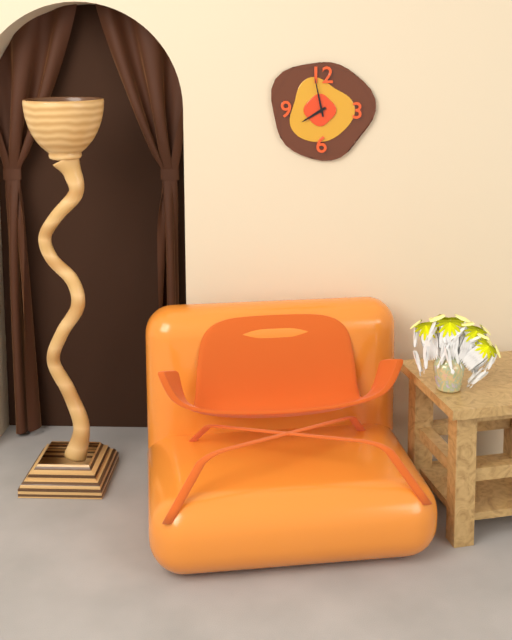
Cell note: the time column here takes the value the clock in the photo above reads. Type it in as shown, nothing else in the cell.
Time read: 7:58
